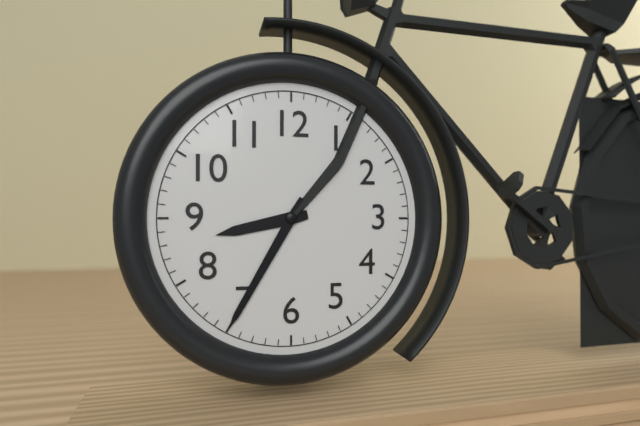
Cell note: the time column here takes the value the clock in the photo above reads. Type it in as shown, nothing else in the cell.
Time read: 8:35
